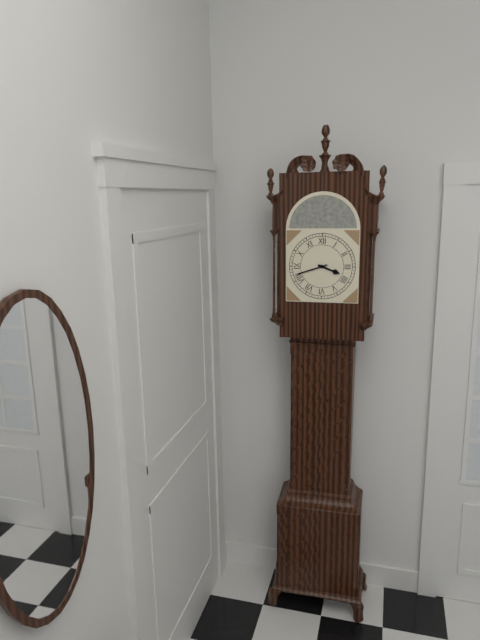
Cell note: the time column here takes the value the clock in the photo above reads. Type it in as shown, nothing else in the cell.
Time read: 3:42
